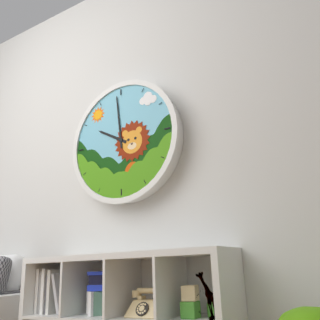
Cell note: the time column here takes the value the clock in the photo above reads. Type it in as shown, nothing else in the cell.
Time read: 9:59
